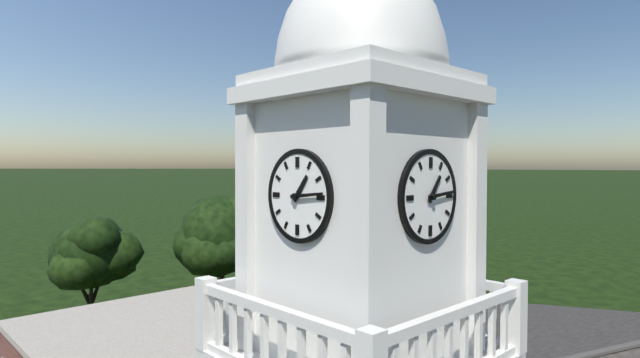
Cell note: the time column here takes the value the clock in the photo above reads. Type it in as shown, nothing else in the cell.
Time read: 1:14
